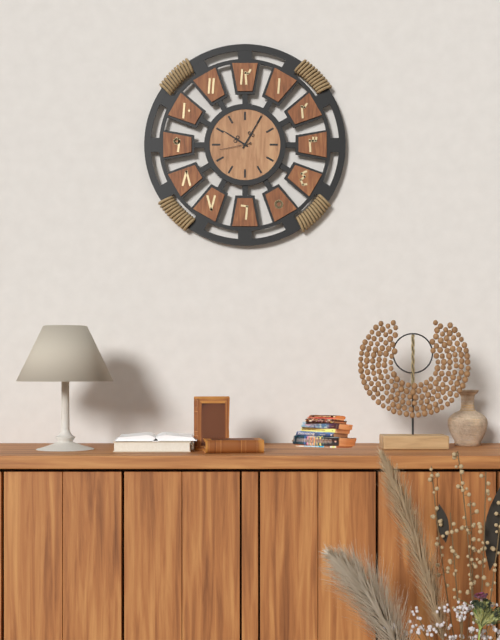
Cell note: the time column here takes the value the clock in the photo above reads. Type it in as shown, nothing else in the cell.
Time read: 10:05
